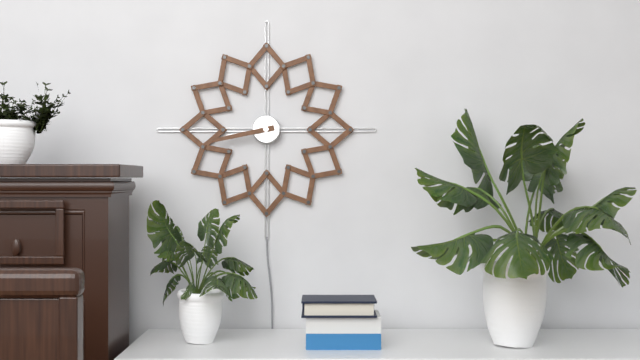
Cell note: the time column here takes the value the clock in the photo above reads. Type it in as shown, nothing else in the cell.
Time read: 8:43
